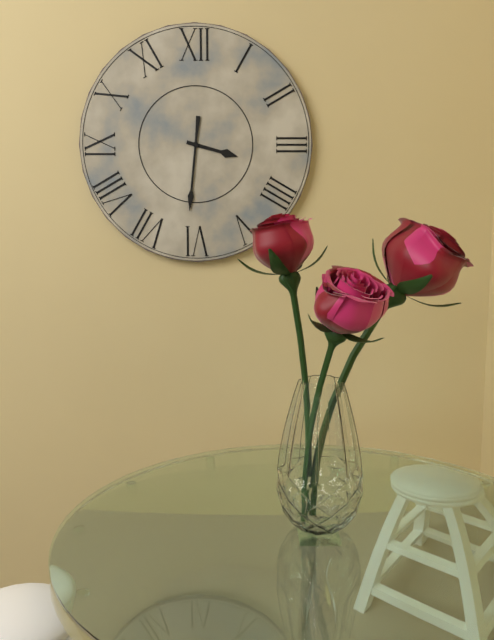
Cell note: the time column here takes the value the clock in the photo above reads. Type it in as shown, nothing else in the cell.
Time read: 3:31
